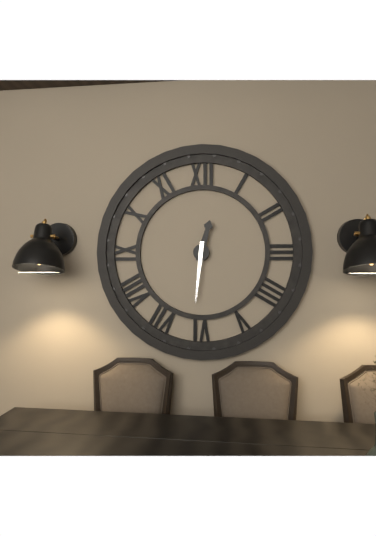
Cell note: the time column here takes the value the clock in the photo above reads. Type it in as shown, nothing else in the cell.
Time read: 12:31
